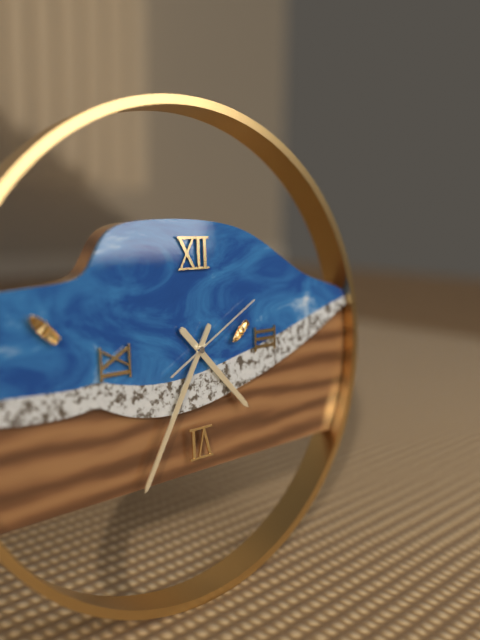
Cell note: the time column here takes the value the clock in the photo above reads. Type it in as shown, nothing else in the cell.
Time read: 4:35:10
